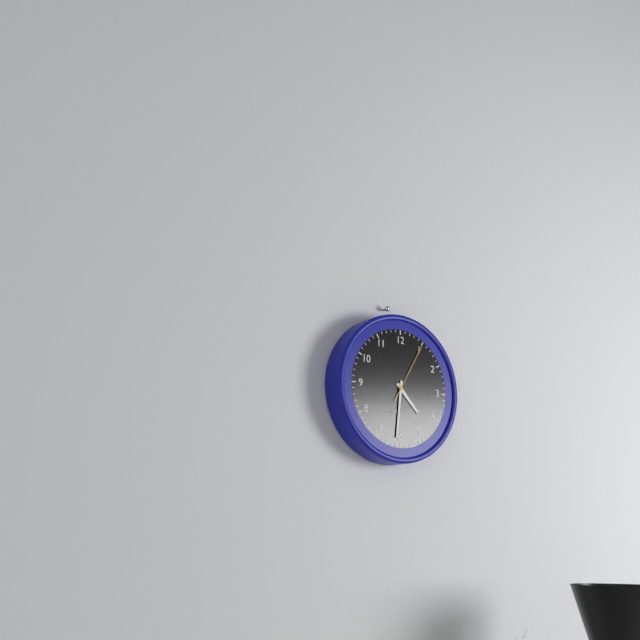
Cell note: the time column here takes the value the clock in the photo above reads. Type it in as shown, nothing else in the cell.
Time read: 4:31:05
